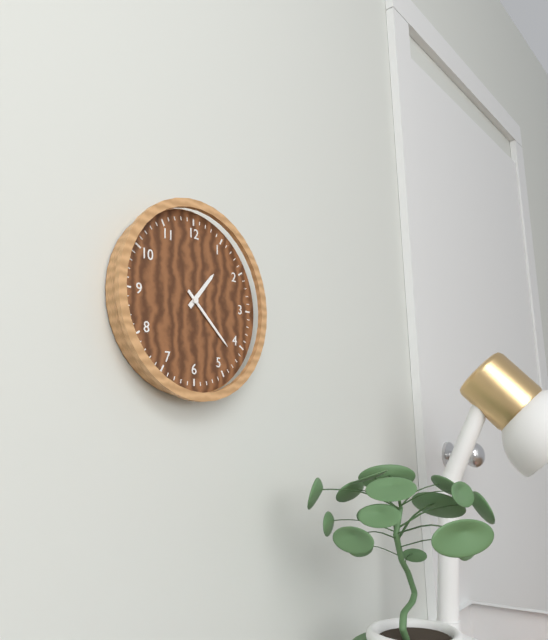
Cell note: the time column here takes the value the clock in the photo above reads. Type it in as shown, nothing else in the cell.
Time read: 1:22
